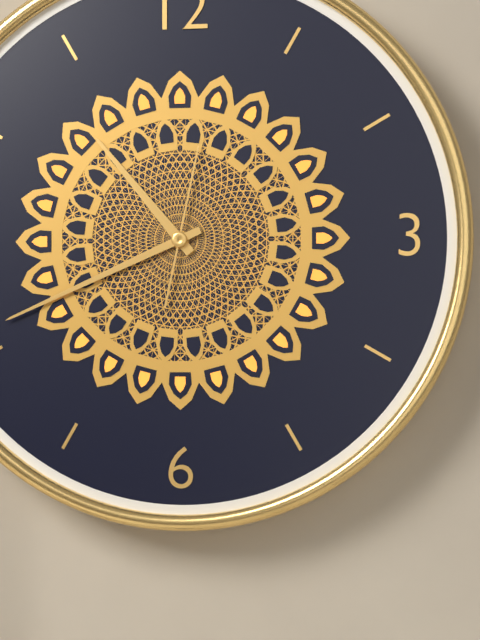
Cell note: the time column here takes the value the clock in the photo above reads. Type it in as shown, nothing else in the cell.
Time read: 10:41:02
